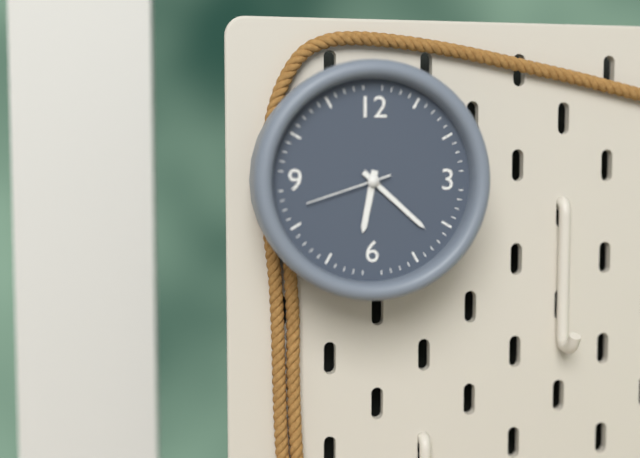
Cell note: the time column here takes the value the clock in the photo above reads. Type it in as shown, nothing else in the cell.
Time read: 6:22:42
